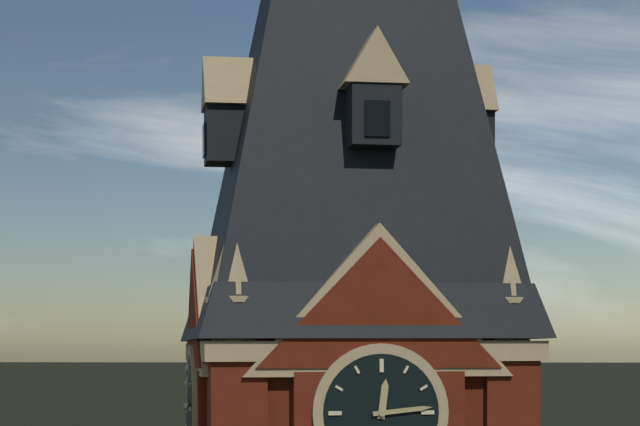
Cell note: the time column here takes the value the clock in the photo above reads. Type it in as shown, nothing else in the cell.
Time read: 12:14
